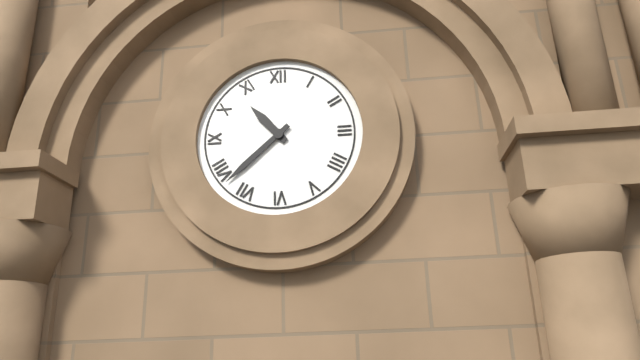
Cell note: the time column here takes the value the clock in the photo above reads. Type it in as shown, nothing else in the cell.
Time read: 10:38
